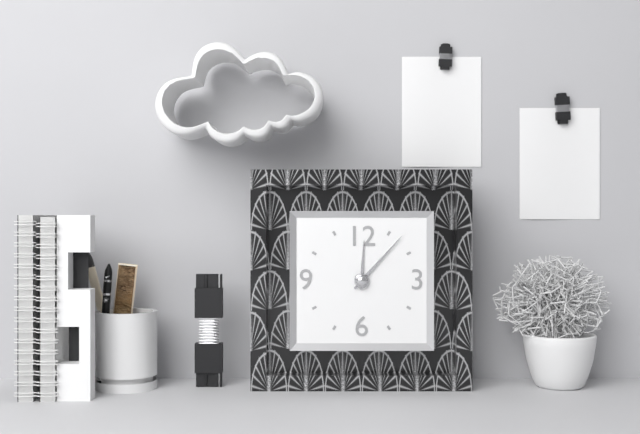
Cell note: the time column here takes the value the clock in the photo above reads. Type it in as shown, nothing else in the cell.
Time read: 12:07
